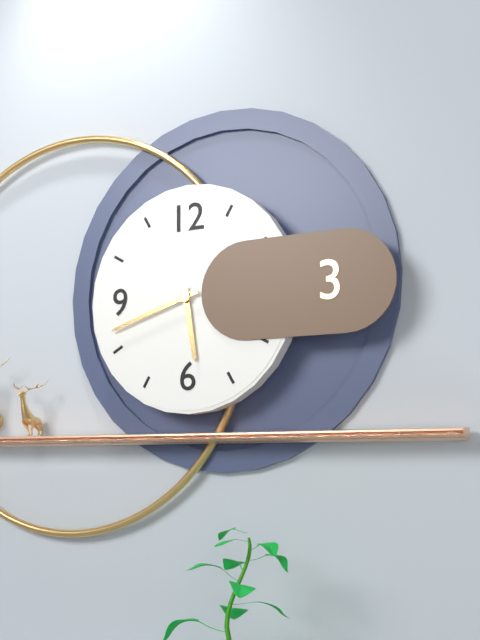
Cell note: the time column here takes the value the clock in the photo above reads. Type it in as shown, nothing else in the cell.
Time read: 5:42
